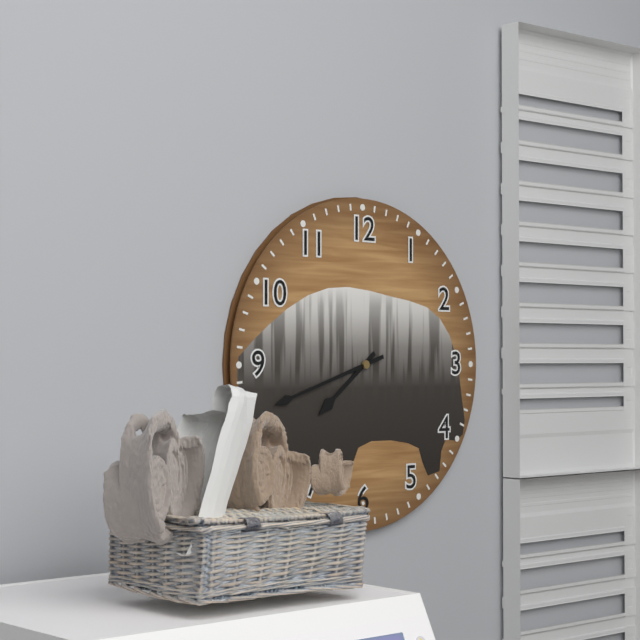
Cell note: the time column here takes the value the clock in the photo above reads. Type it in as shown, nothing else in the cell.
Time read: 7:42
